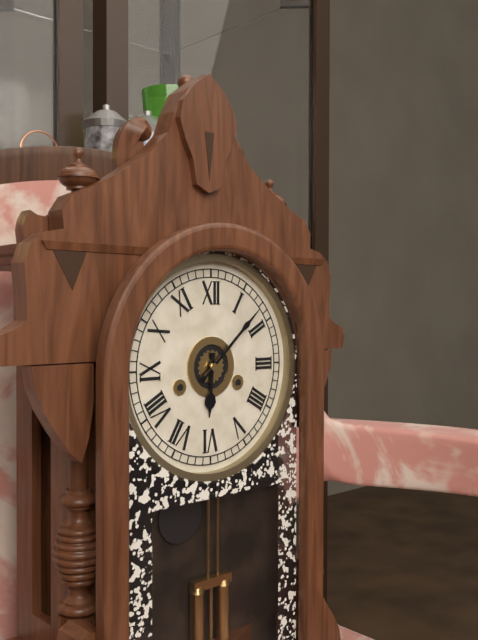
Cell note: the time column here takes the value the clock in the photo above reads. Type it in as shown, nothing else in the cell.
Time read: 6:08
